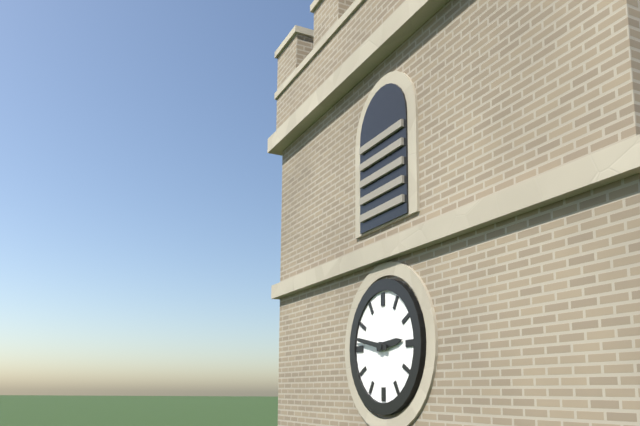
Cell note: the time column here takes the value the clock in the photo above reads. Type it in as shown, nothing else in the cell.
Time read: 2:47
